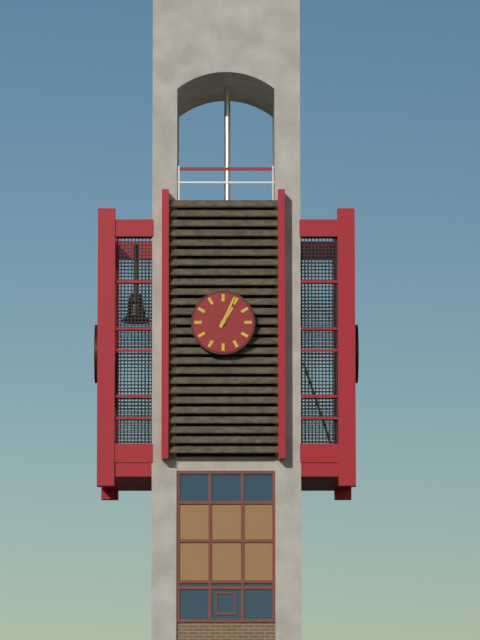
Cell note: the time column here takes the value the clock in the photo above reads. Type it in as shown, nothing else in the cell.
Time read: 1:04
